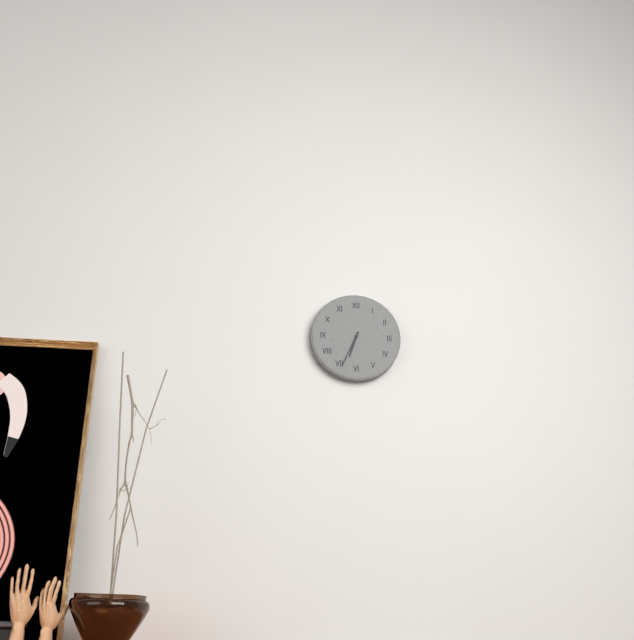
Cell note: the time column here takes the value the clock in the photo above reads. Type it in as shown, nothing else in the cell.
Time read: 6:34
